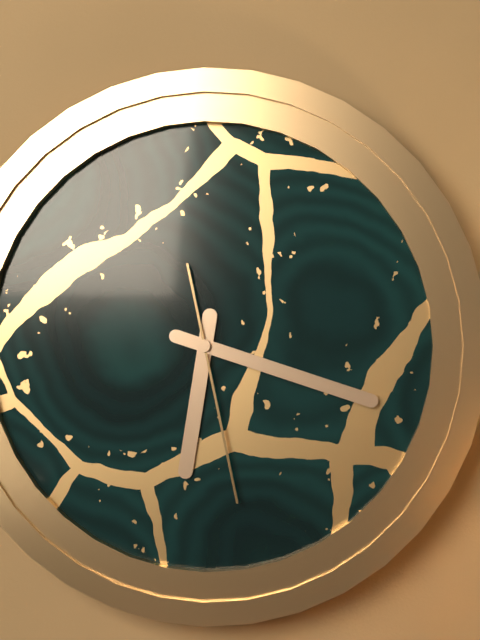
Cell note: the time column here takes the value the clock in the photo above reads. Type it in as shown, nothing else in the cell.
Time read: 6:18:28
